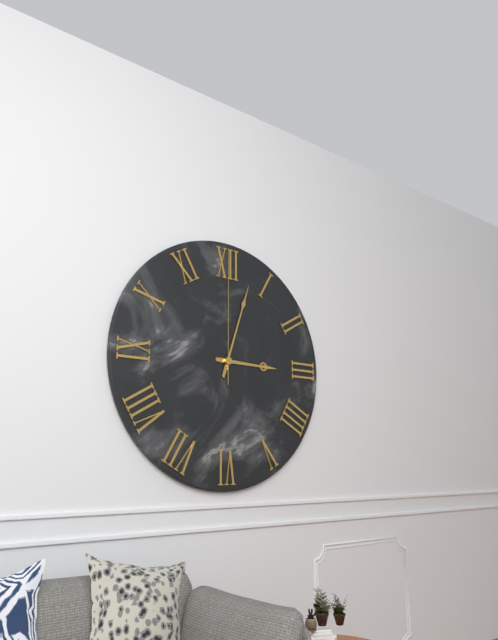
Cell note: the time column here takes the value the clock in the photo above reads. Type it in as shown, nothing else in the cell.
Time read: 3:03:00
